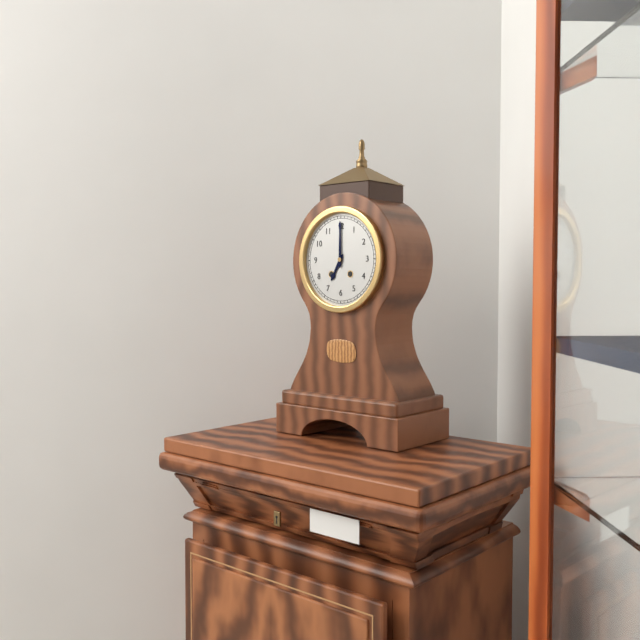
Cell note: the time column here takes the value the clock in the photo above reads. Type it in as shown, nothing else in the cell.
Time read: 7:00
